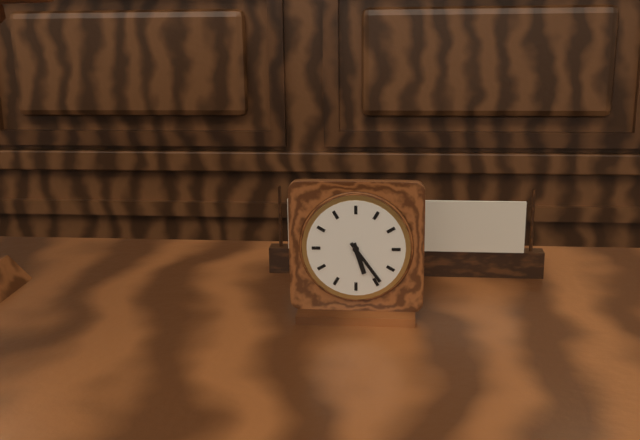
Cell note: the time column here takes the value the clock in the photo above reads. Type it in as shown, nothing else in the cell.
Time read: 5:24
